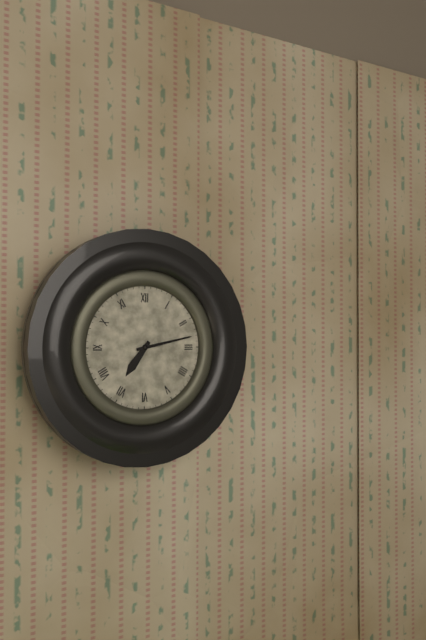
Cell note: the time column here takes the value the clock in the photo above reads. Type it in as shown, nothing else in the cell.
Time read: 7:13
